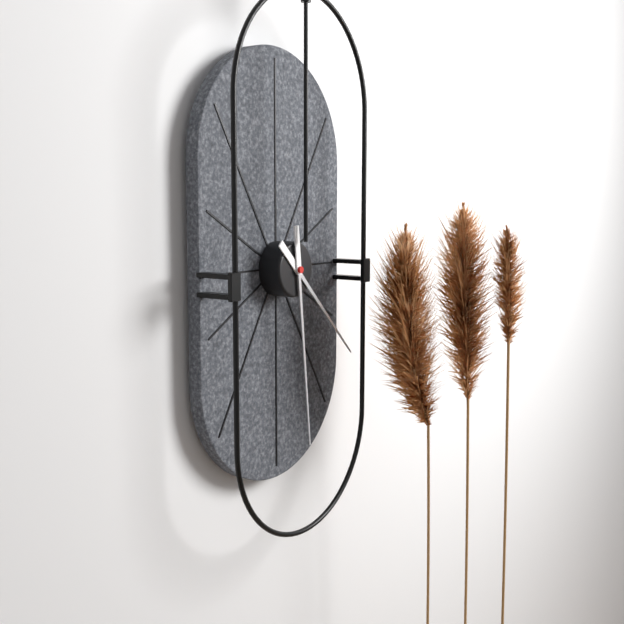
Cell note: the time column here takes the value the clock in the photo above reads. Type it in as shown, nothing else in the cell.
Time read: 4:29
